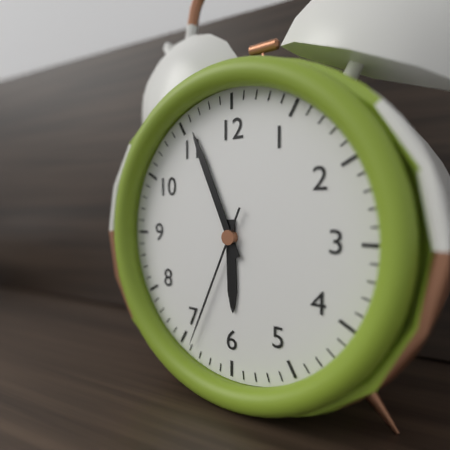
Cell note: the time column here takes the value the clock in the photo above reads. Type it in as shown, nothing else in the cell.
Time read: 5:56:34
